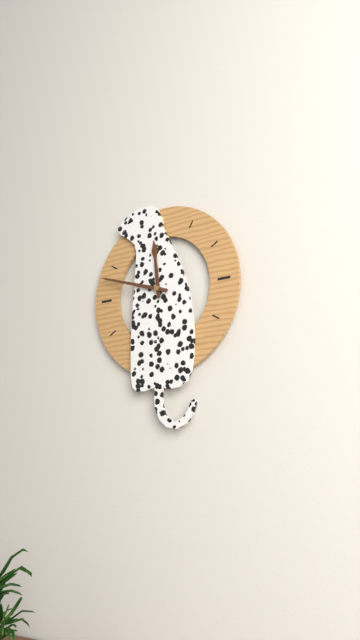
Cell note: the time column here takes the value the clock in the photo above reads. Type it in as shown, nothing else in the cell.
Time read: 11:48
